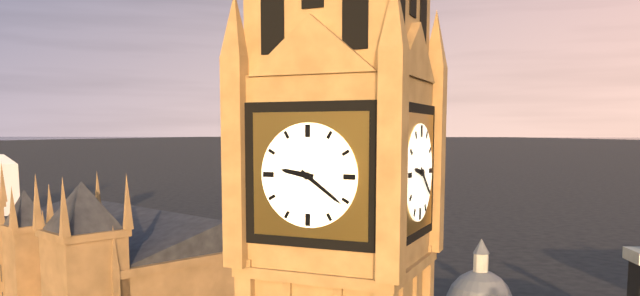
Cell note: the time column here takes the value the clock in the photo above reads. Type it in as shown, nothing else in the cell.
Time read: 9:21
